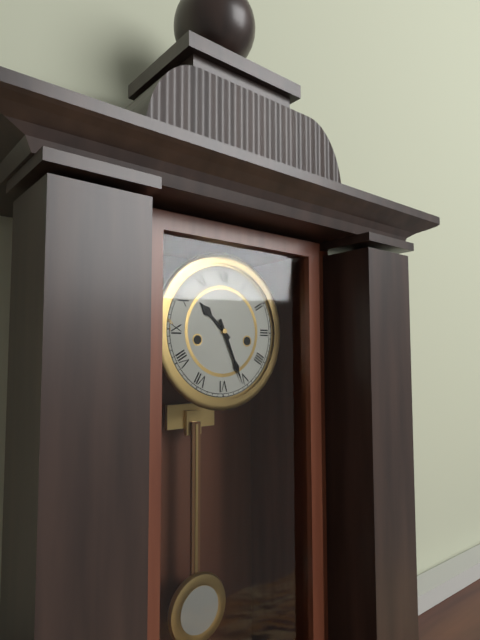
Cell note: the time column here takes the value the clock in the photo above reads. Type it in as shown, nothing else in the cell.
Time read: 10:26
